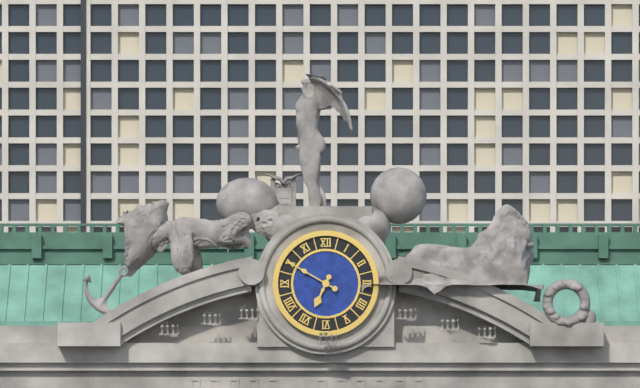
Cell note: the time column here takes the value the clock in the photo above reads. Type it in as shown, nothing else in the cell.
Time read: 6:50
